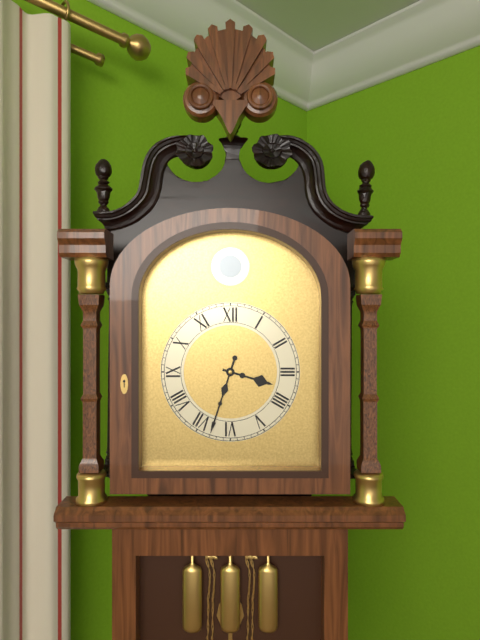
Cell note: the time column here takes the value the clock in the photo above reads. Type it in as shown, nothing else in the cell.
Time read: 3:33
